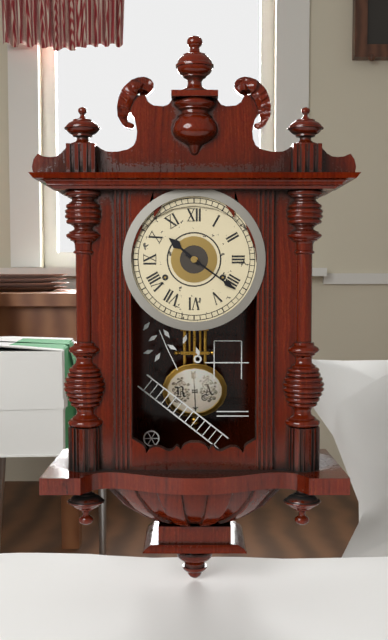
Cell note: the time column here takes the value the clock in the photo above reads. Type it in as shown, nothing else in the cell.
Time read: 10:21
